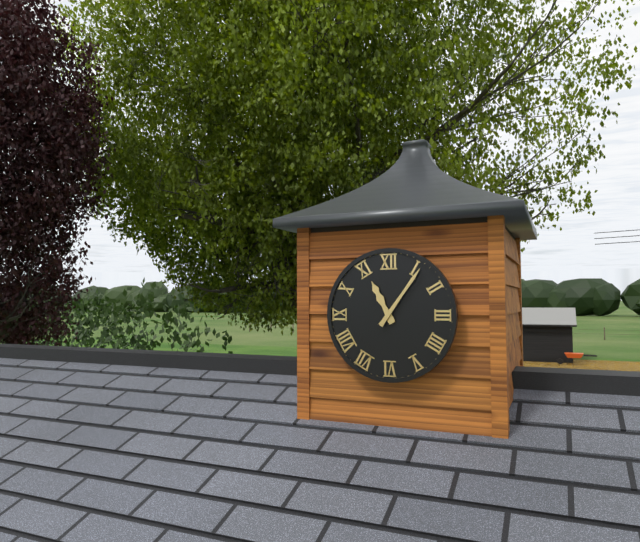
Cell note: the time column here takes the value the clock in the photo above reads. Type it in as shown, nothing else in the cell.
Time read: 11:06
